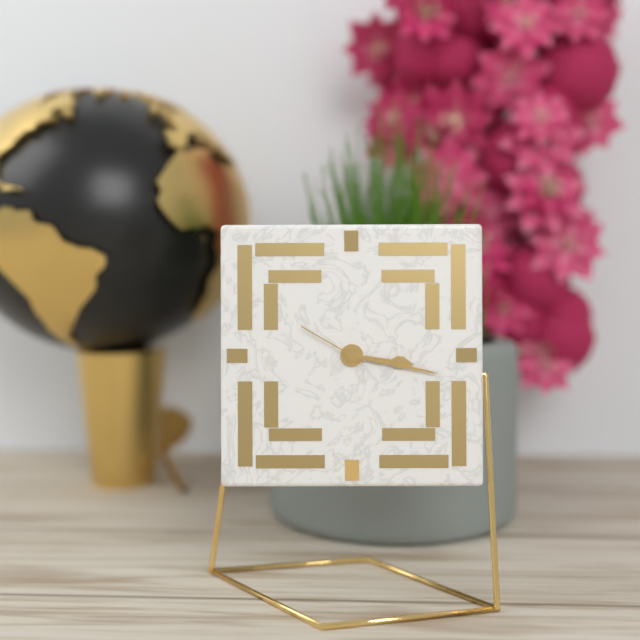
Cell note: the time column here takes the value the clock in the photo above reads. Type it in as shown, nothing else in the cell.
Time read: 3:17:50
